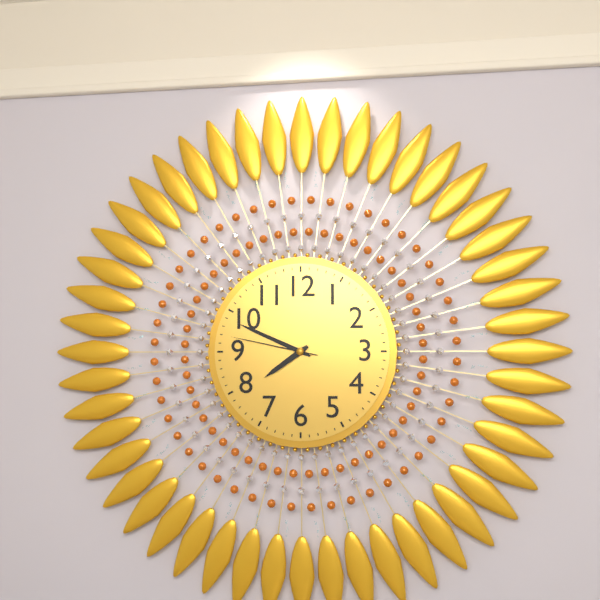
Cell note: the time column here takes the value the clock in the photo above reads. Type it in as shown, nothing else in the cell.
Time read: 7:49:47
